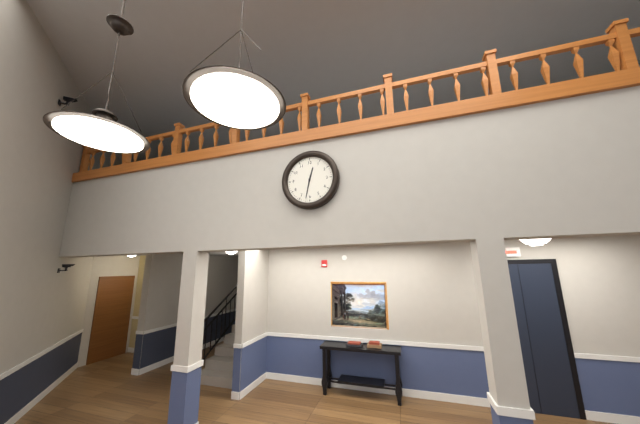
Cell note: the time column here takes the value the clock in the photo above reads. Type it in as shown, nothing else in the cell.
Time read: 12:32
